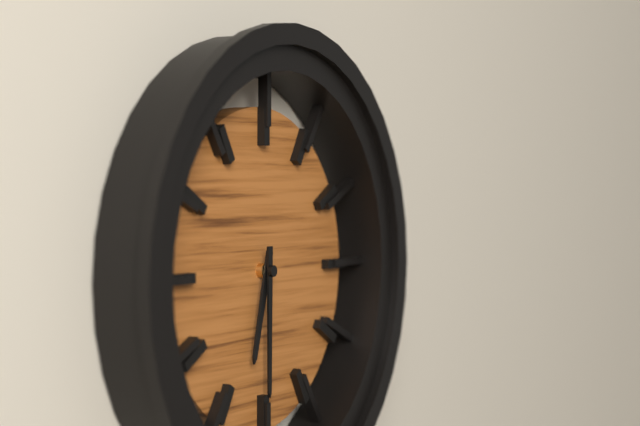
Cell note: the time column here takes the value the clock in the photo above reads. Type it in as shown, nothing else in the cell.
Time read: 6:30
